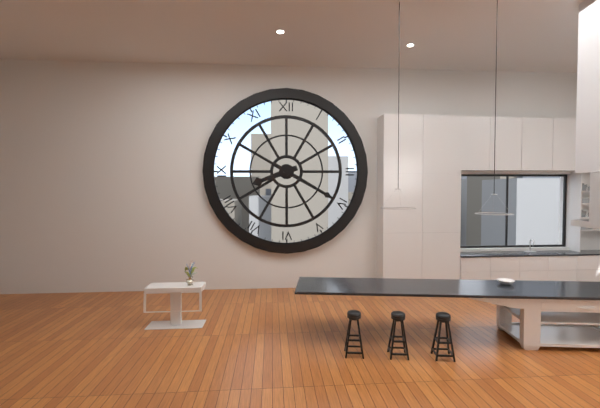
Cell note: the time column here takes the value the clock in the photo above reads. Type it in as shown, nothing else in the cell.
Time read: 8:20
